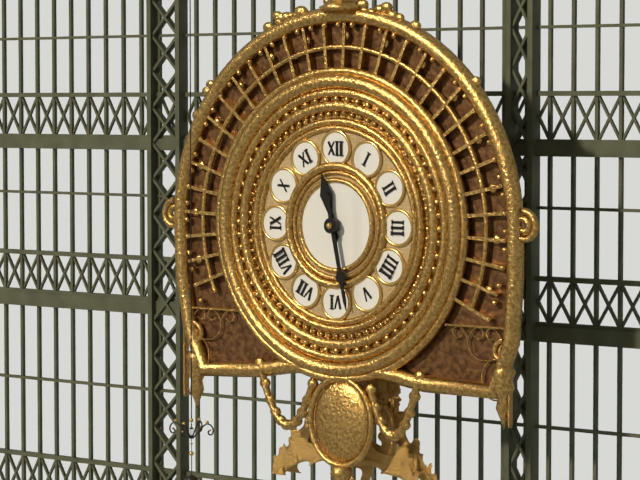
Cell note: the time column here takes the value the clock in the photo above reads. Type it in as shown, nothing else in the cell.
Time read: 11:28
